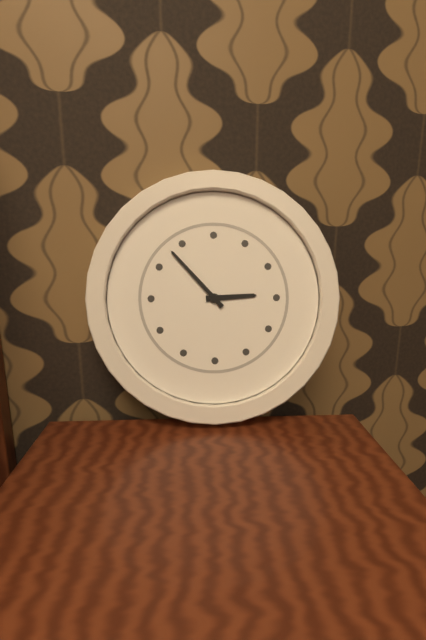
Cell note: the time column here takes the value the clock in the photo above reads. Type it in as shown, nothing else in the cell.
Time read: 2:53
